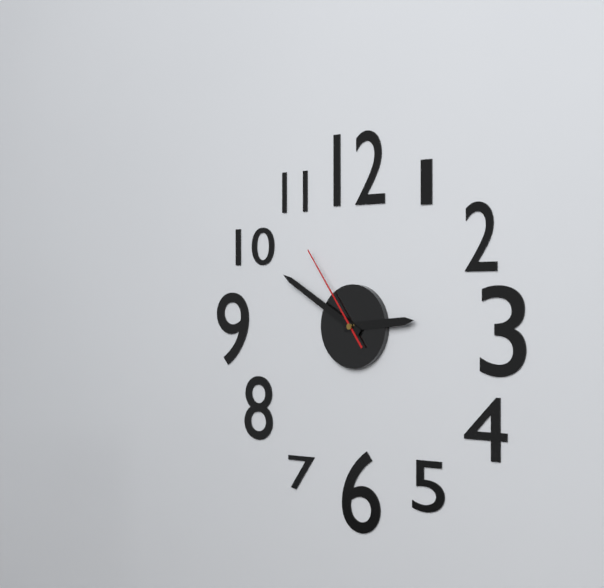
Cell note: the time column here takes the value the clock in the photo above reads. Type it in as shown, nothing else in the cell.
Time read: 2:50:54
